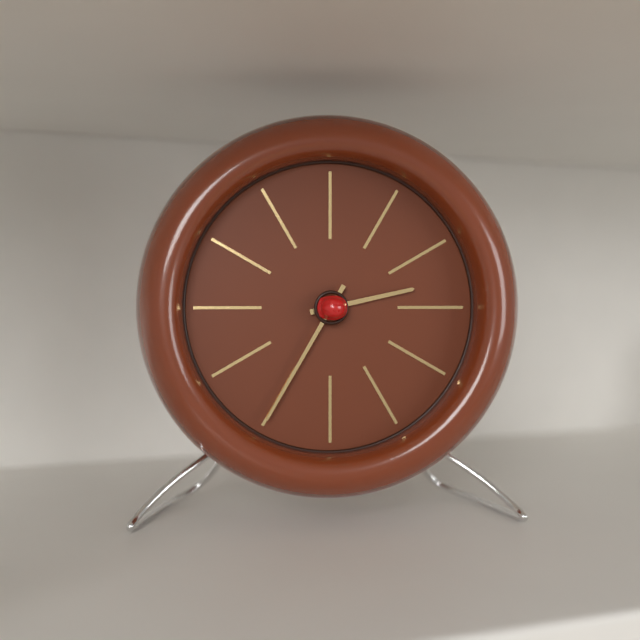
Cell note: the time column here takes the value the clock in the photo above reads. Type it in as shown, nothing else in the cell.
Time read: 2:35
